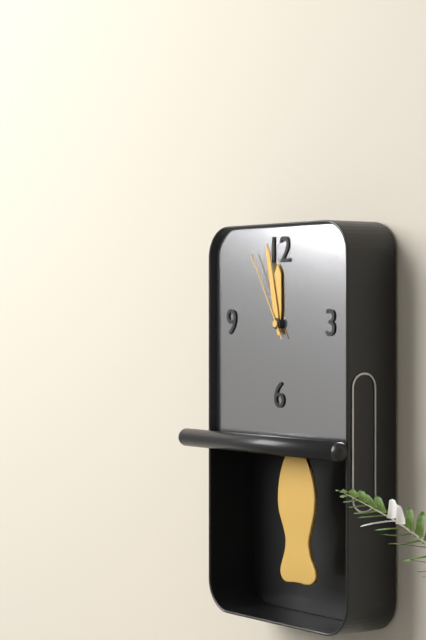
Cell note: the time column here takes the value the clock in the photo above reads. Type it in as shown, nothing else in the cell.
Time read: 11:58:55
